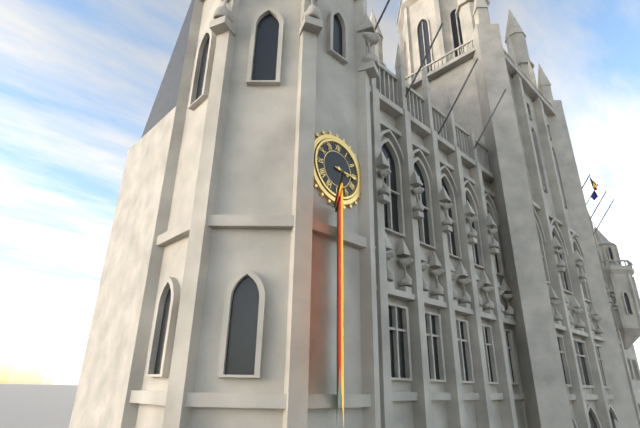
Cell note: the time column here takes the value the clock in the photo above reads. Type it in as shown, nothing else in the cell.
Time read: 3:16
